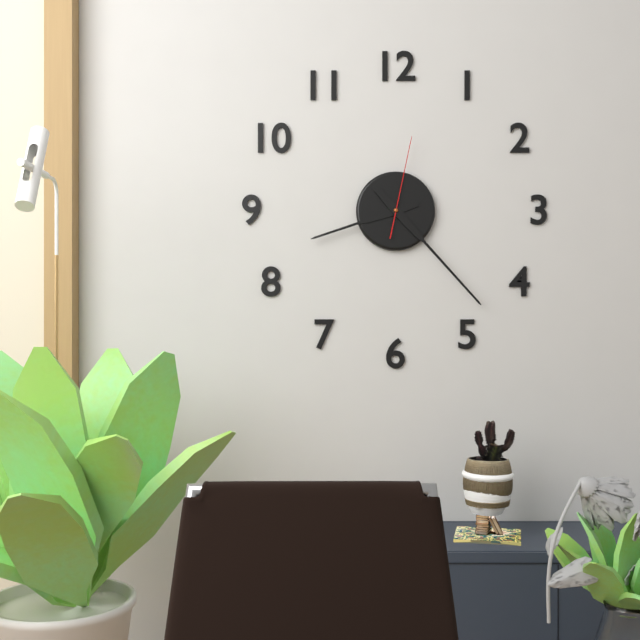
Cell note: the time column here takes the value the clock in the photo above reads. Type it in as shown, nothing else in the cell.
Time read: 8:23:02
